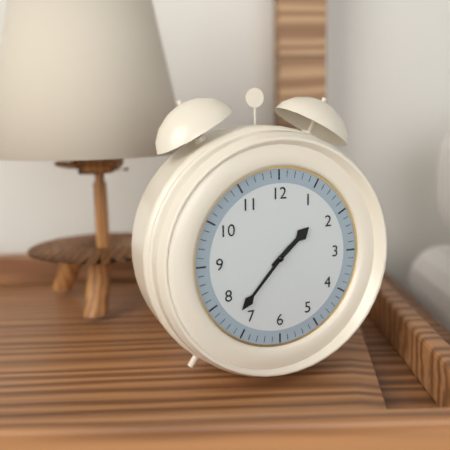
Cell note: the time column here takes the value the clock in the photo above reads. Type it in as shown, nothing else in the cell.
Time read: 1:37
